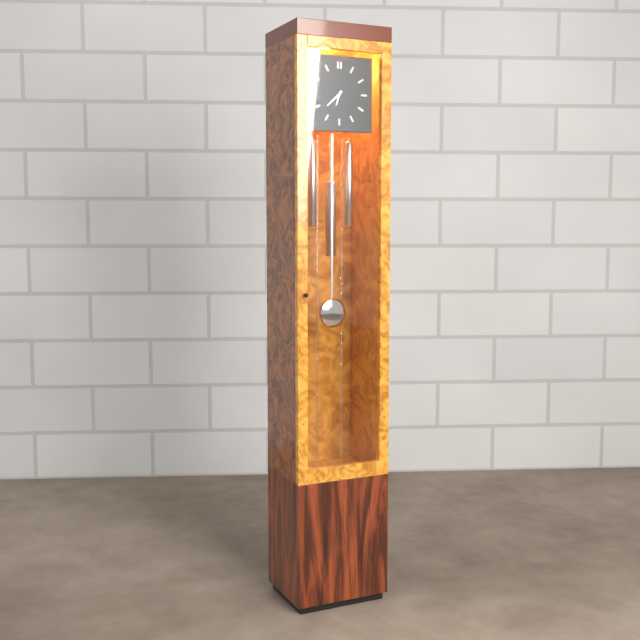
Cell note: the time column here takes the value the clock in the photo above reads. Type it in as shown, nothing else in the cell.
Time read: 6:38
